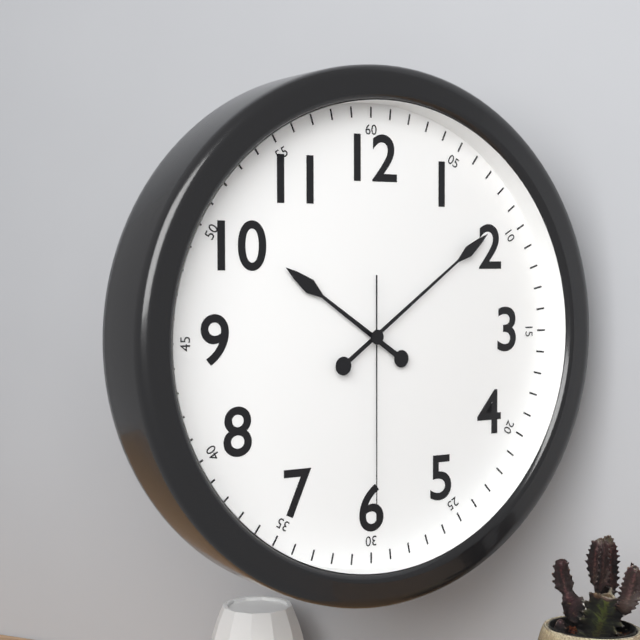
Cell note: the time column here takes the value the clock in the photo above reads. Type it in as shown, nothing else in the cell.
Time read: 10:09:30
